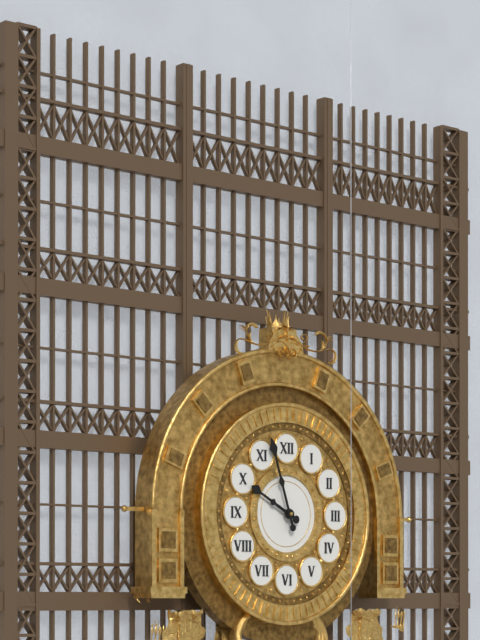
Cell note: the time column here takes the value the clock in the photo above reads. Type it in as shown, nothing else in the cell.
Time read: 9:57
